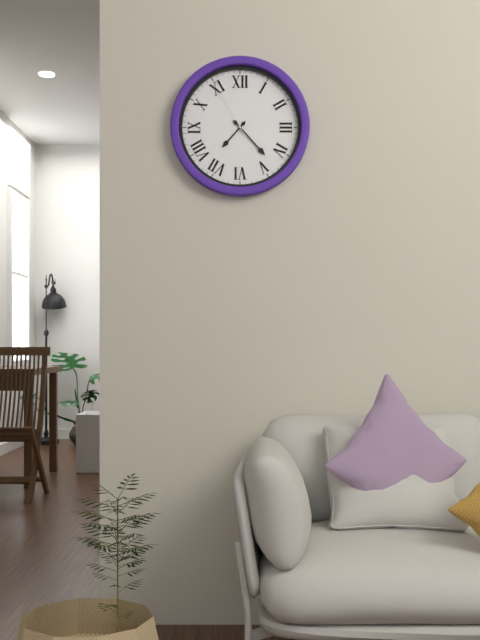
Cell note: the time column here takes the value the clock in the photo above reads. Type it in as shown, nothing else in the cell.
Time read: 7:23:55
